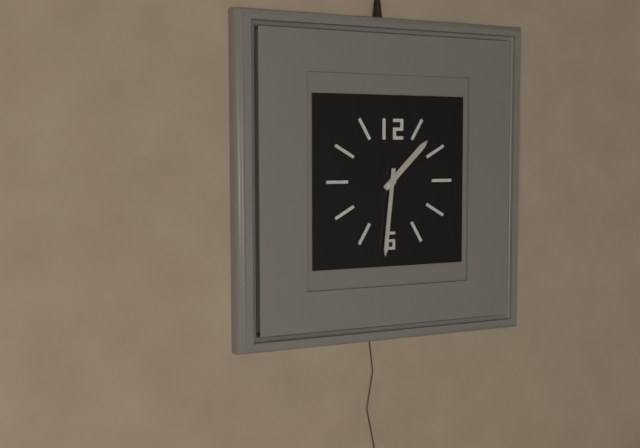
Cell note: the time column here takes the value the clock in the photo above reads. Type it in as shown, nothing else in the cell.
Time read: 1:31
